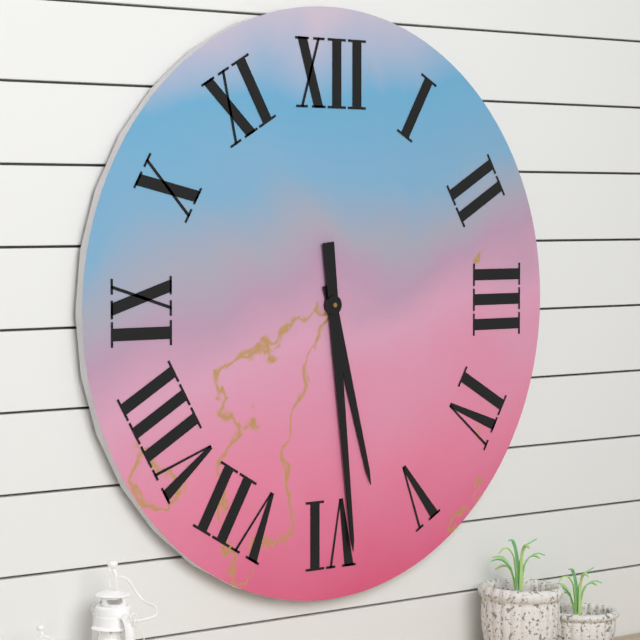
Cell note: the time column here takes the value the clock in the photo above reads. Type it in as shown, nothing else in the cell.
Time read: 5:29
